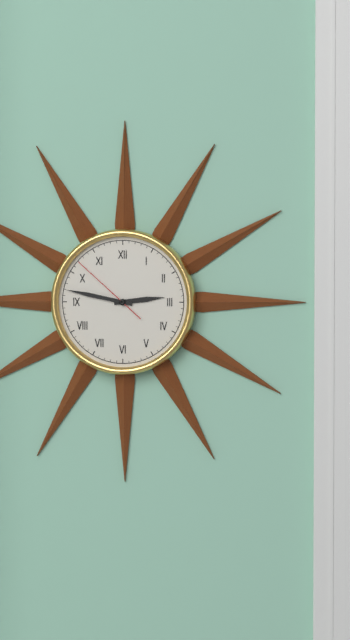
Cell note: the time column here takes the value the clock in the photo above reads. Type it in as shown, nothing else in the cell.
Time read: 2:47:52
